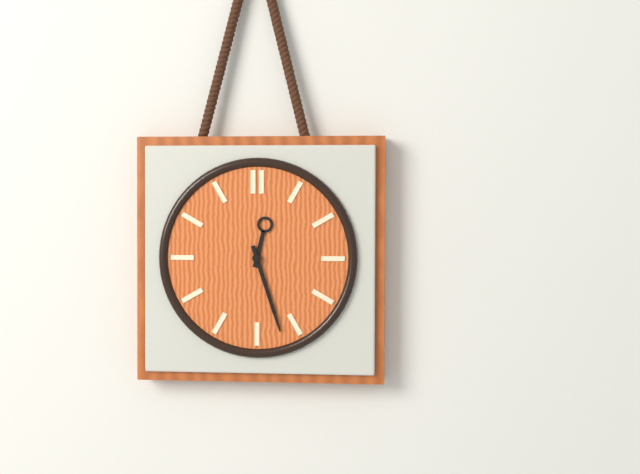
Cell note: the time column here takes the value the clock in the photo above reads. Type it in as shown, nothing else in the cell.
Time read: 12:27
